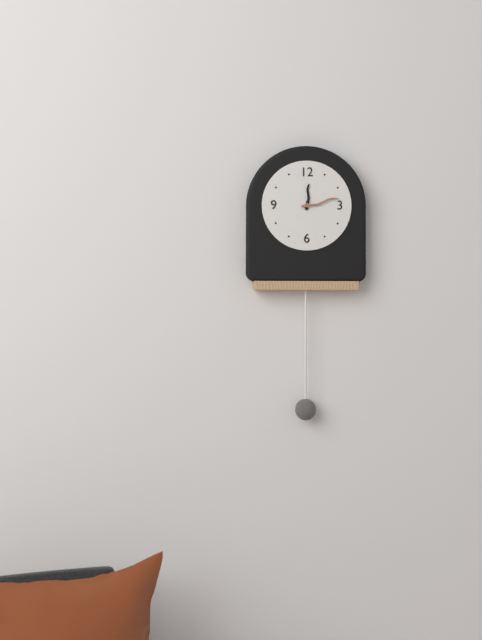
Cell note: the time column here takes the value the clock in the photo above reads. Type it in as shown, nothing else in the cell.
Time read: 12:13
